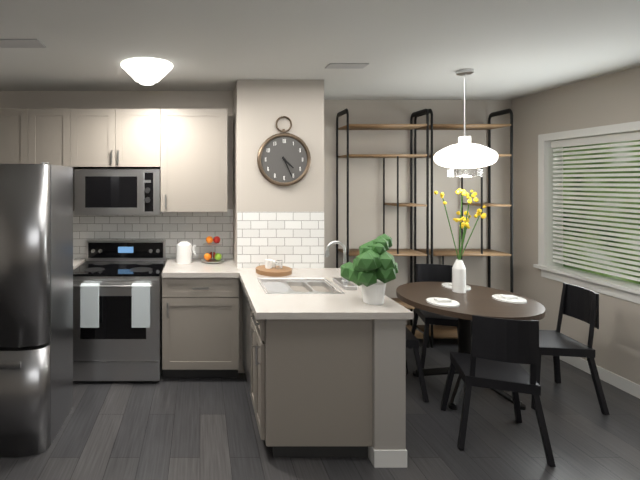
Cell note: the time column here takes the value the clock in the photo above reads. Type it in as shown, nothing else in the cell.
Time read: 4:26
